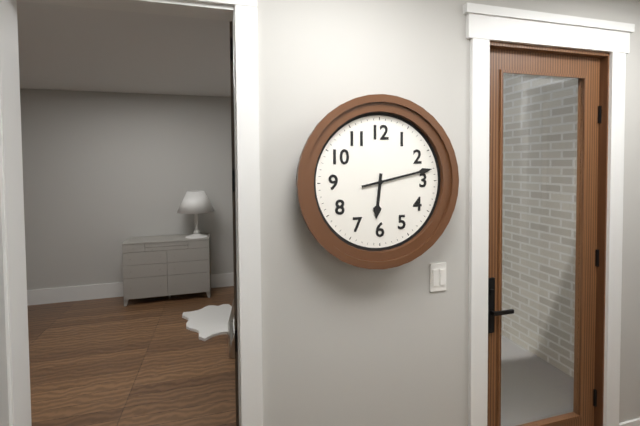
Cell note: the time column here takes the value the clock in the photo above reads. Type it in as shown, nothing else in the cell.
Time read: 6:13
